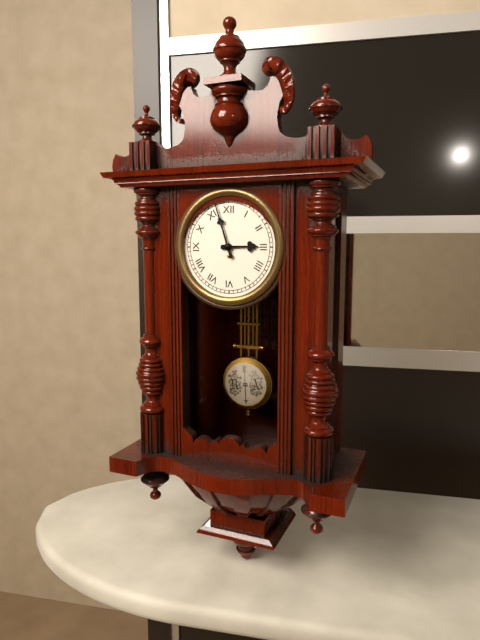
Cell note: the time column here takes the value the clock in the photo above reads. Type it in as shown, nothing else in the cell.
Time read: 2:57
